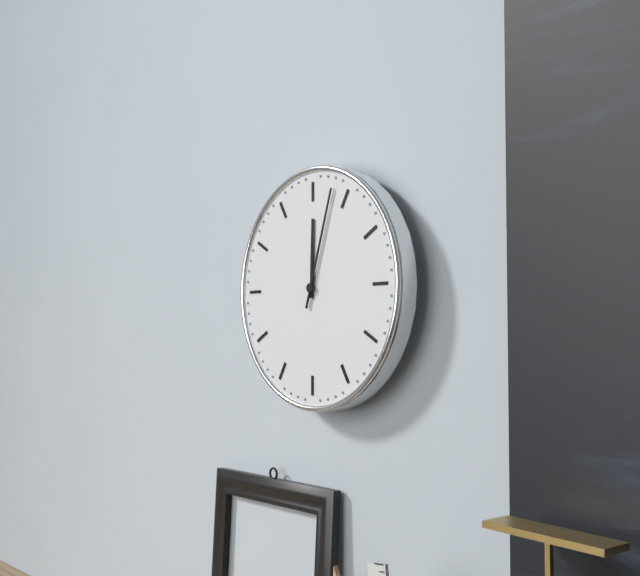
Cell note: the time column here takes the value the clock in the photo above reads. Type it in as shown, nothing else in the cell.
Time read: 12:03
